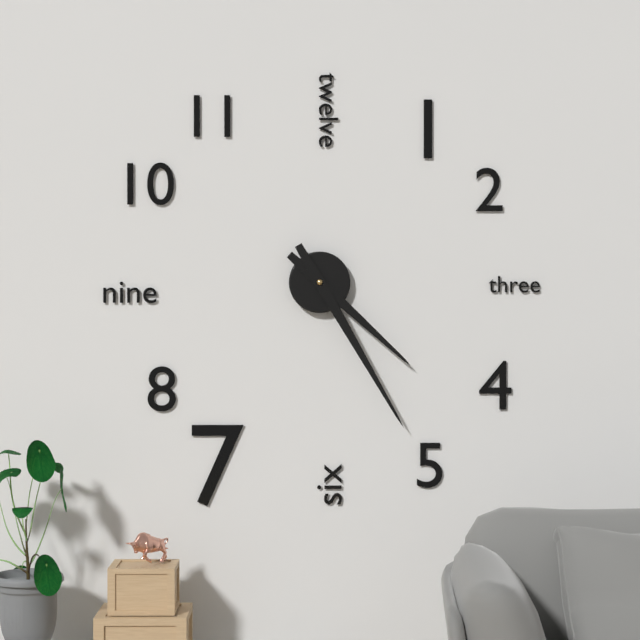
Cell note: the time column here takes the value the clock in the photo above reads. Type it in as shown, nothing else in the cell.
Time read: 4:25
